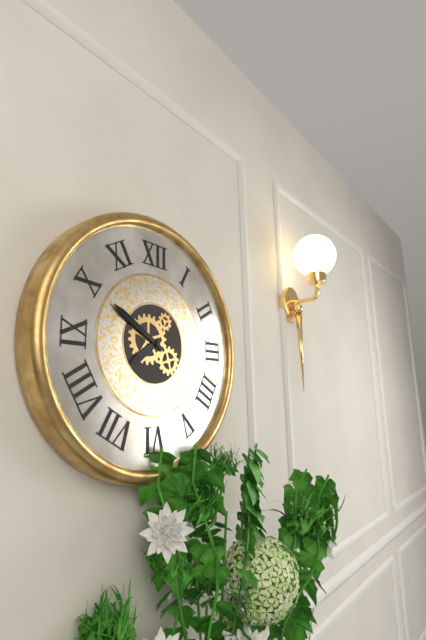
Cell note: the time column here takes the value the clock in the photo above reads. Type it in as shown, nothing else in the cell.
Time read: 7:50
